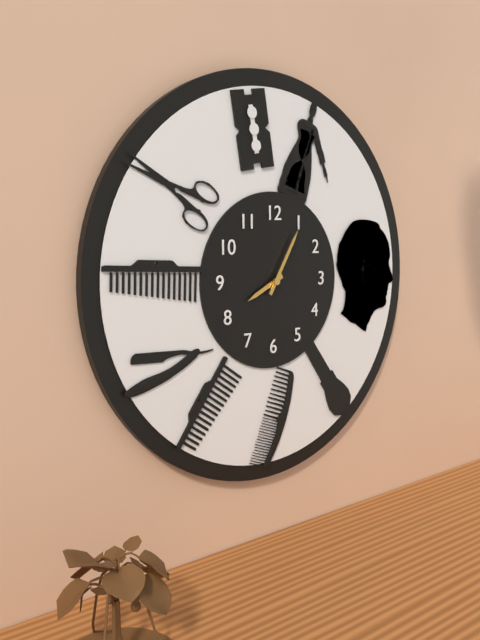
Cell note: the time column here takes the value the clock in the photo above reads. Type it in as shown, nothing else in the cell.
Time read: 8:05
